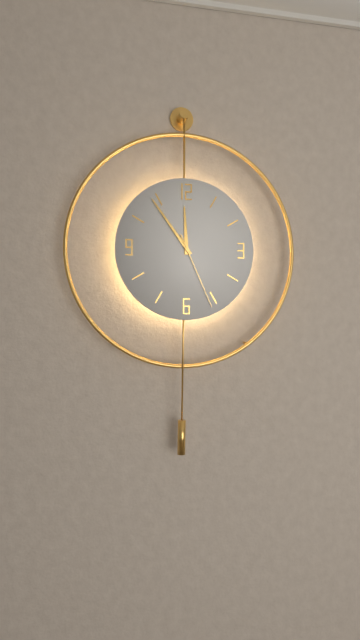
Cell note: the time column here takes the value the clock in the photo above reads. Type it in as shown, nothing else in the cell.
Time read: 11:54:26
